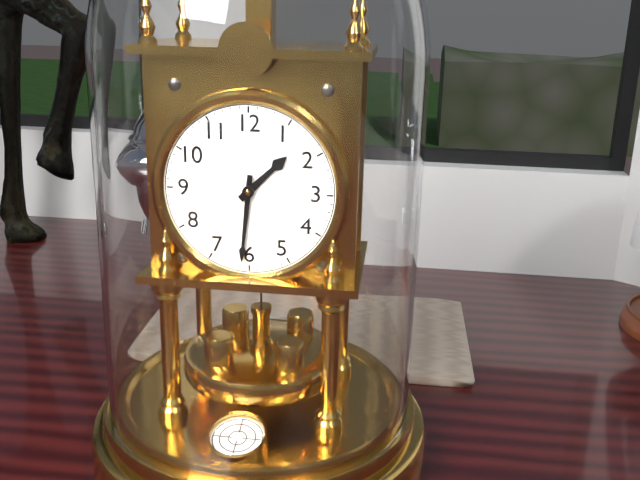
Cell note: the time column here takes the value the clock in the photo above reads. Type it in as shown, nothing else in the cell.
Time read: 1:31
